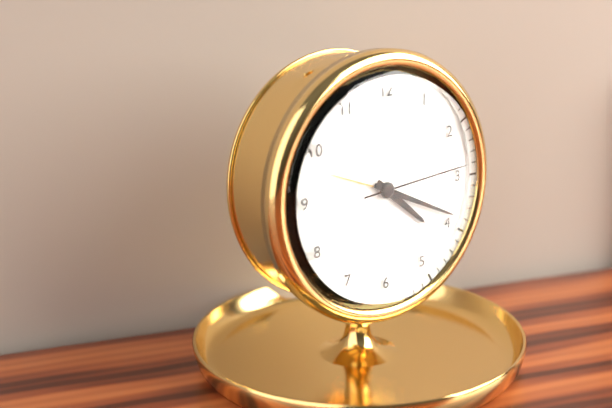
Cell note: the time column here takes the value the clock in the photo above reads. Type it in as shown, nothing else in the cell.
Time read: 4:19:14
